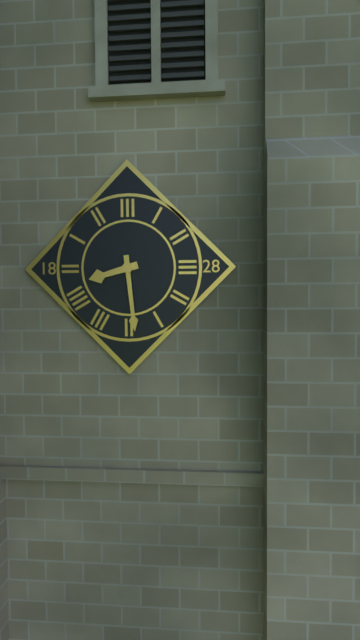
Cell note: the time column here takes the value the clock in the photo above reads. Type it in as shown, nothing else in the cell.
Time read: 8:29
